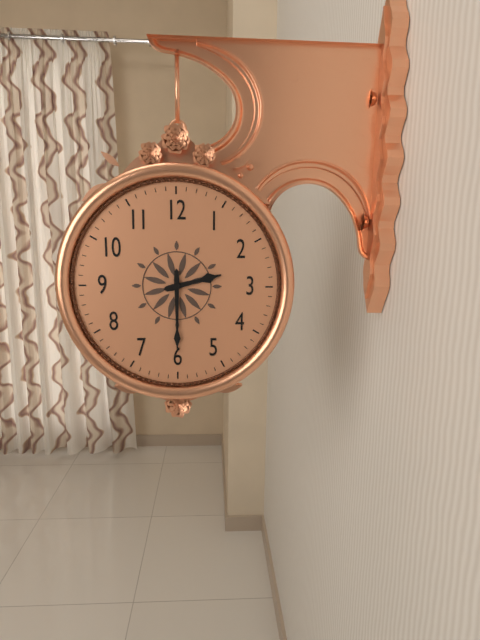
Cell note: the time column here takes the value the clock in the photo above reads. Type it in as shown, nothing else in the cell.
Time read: 2:30
